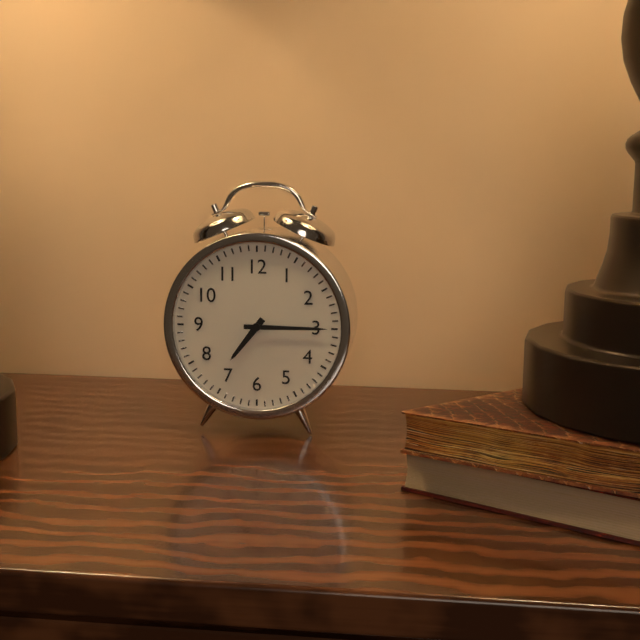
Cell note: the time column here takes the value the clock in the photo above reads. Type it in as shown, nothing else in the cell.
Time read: 7:15
